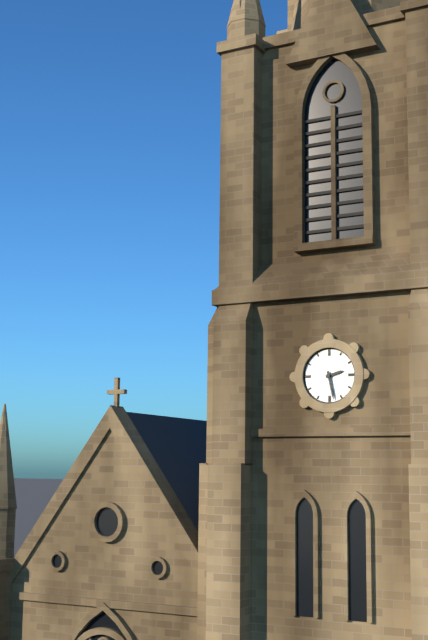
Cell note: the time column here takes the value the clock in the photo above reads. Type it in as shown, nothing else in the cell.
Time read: 2:28
